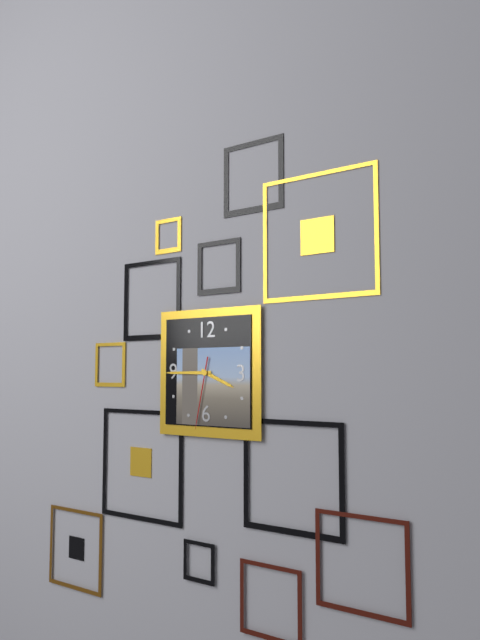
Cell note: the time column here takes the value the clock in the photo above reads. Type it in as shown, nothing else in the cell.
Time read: 3:45:32
